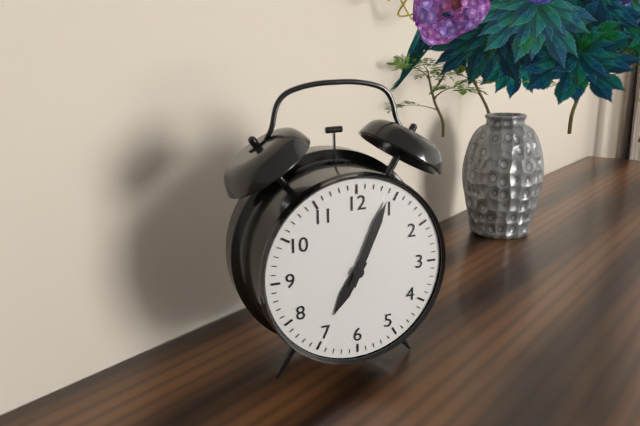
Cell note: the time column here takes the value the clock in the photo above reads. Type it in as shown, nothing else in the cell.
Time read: 7:04
